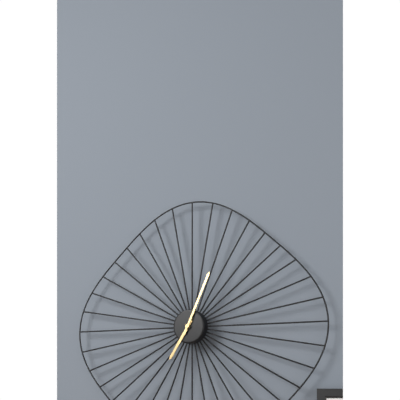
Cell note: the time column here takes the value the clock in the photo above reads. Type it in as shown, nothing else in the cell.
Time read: 7:04
